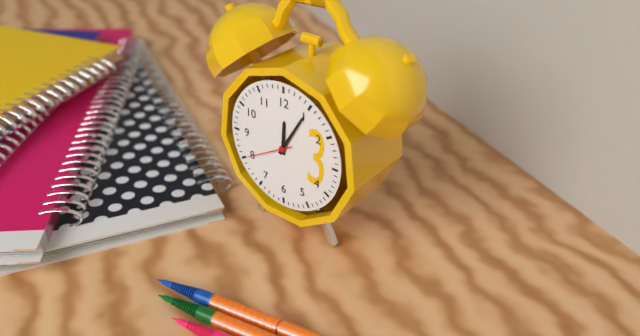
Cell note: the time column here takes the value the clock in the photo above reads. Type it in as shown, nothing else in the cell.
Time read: 12:05
